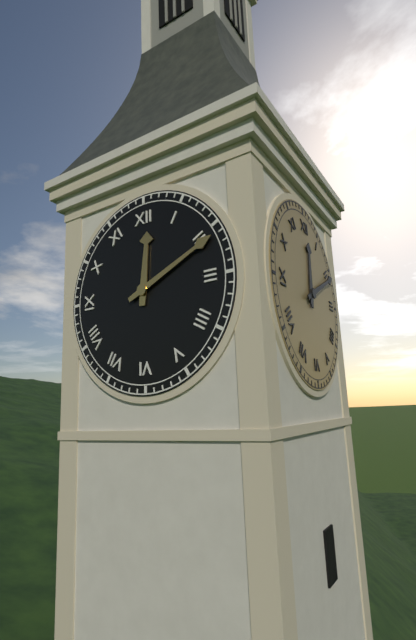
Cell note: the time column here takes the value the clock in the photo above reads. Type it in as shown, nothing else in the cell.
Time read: 12:11
